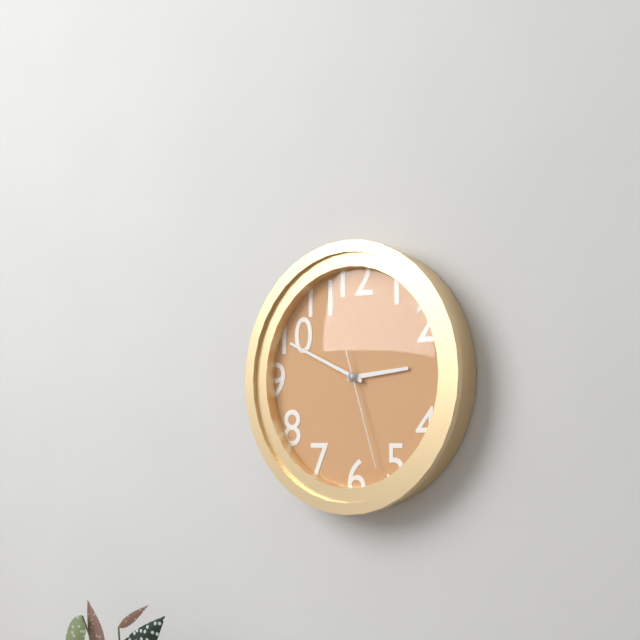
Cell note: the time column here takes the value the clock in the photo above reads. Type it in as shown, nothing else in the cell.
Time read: 2:49:27
